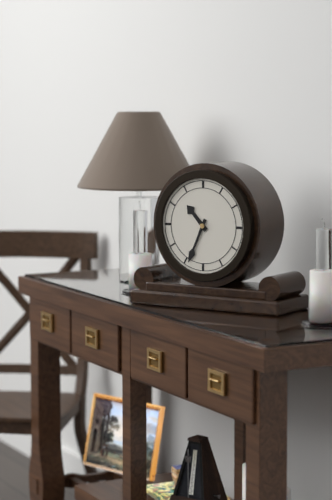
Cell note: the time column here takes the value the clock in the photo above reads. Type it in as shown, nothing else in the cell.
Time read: 10:34
